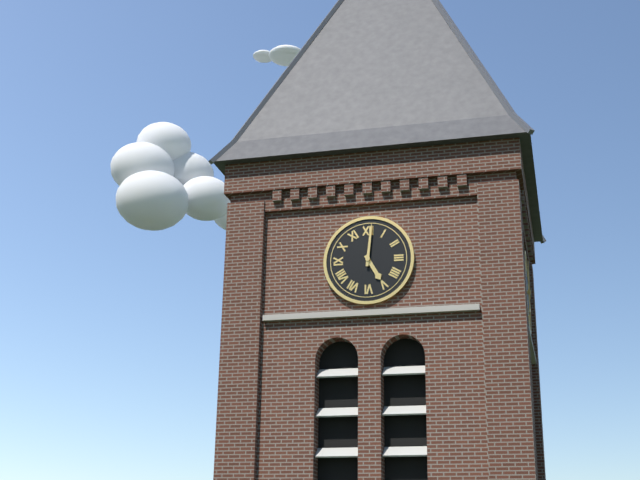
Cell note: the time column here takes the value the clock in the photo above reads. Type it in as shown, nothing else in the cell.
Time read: 5:01
